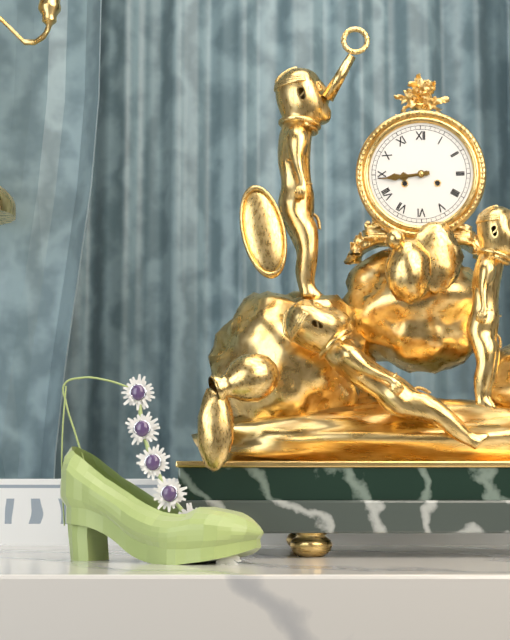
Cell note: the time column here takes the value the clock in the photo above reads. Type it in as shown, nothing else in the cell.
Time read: 8:44
